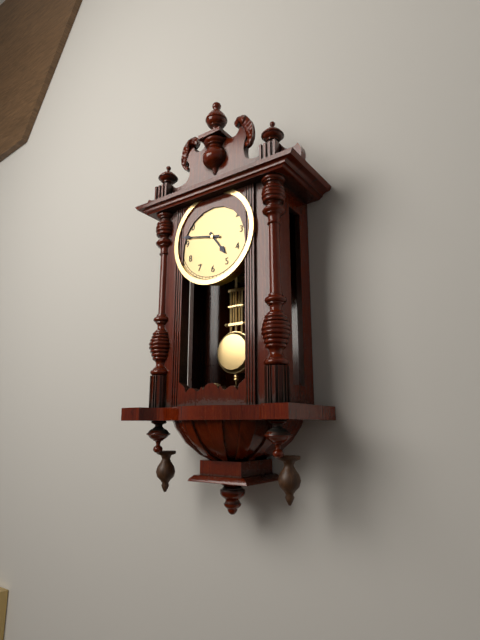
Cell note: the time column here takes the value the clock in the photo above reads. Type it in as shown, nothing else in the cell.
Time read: 4:47
